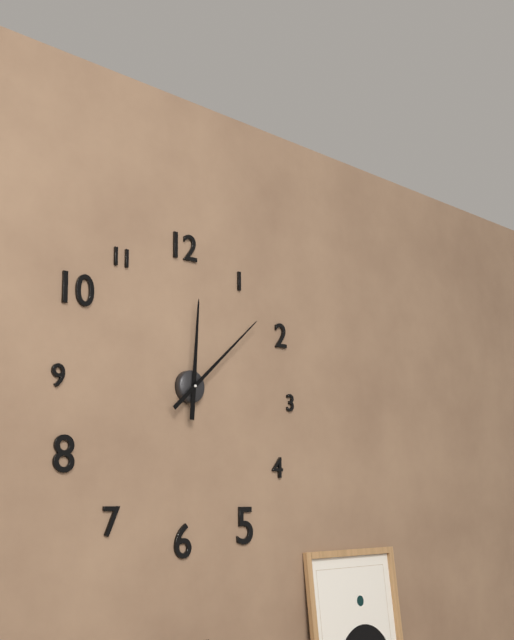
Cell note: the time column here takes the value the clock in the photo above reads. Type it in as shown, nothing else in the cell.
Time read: 12:08
